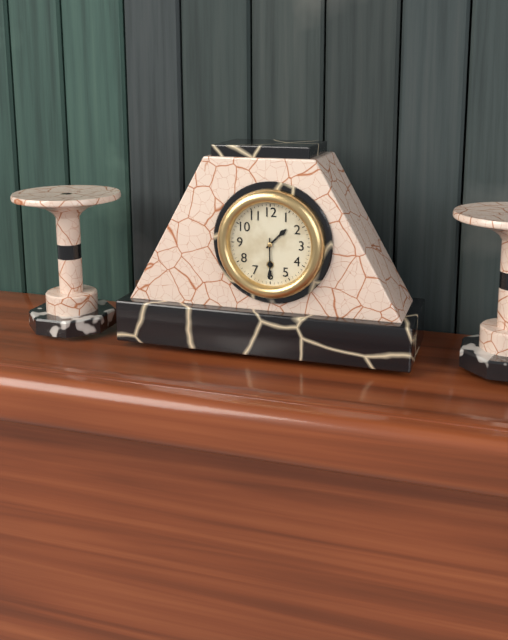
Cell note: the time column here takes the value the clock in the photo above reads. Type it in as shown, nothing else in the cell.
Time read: 1:30
